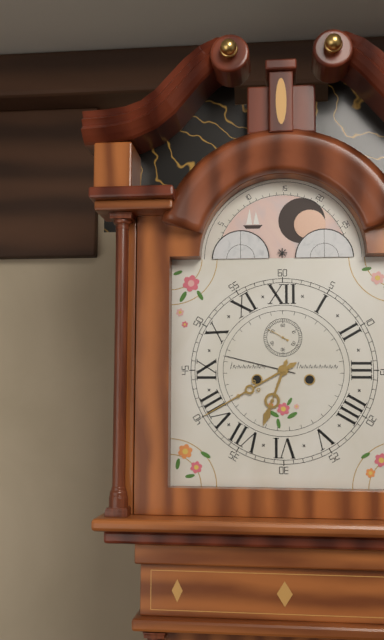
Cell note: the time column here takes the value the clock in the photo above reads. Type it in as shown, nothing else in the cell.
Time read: 6:40
